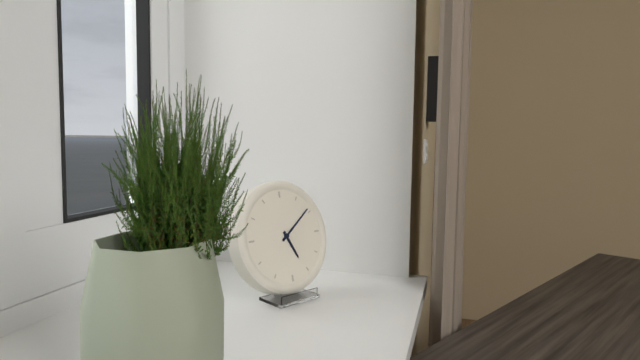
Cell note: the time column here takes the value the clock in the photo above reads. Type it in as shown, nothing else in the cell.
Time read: 5:09
